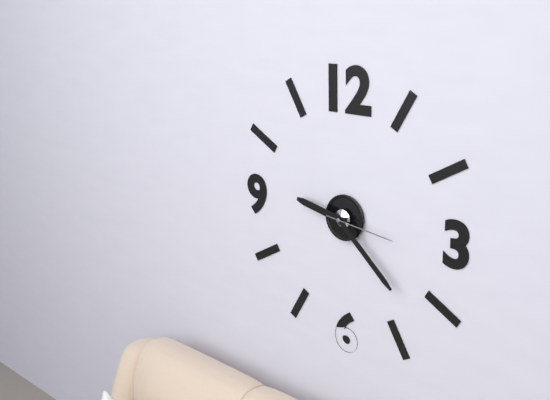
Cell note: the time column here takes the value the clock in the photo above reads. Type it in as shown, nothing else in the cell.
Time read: 9:22:16
